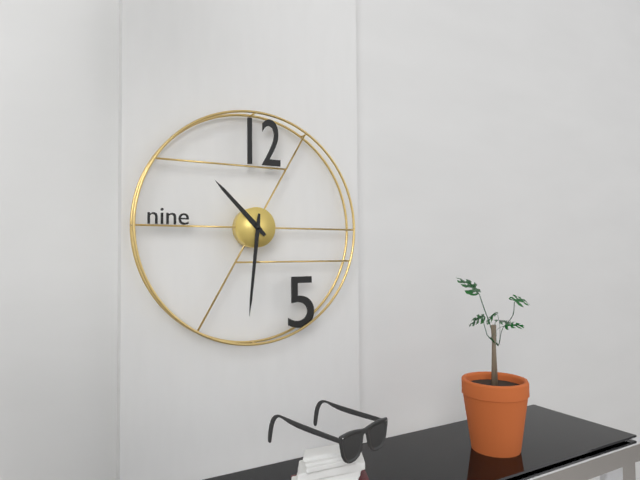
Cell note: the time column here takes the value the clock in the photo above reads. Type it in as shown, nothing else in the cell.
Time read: 10:31
